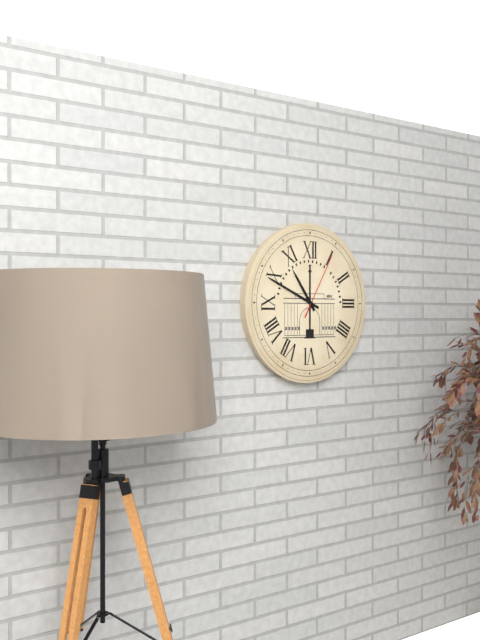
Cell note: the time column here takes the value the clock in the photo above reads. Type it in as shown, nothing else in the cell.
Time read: 10:49:05
